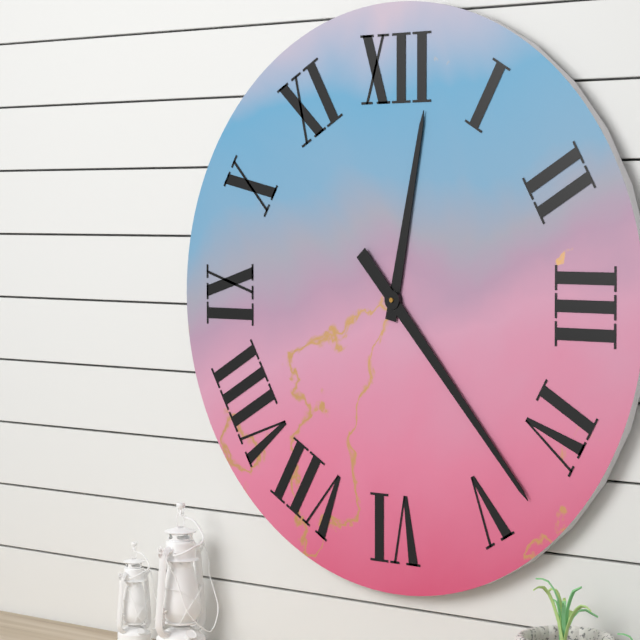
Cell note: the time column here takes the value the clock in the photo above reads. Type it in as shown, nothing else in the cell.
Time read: 12:23
